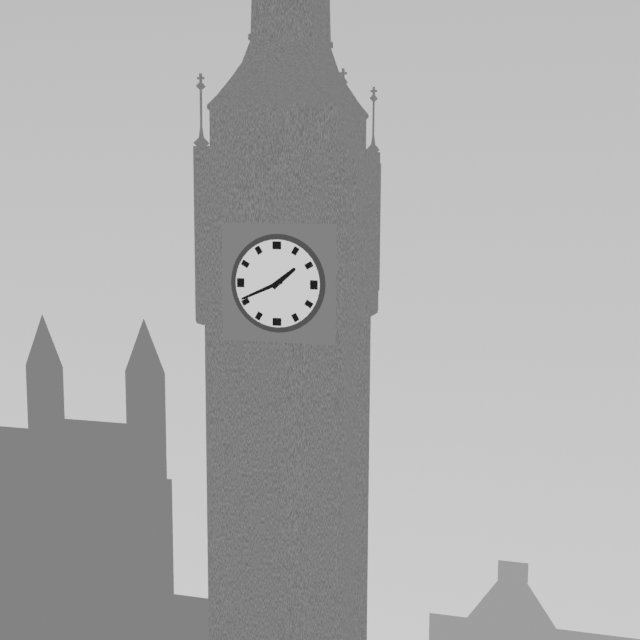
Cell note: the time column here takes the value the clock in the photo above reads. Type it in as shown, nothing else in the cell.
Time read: 1:41
